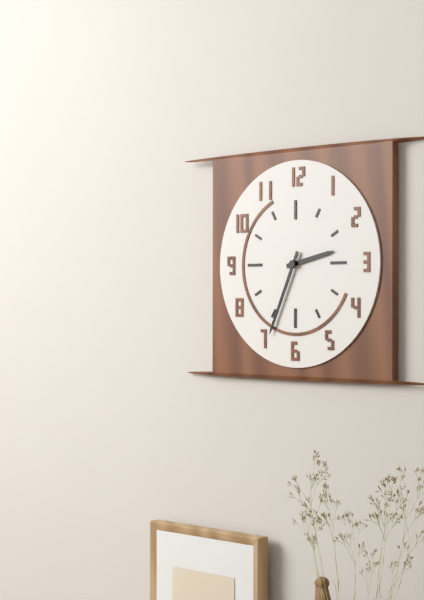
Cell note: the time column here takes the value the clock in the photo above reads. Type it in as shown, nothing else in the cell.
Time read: 2:34
